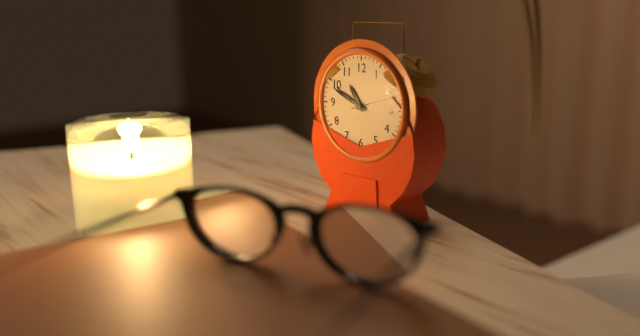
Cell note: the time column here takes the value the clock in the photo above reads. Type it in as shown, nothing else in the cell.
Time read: 10:49
